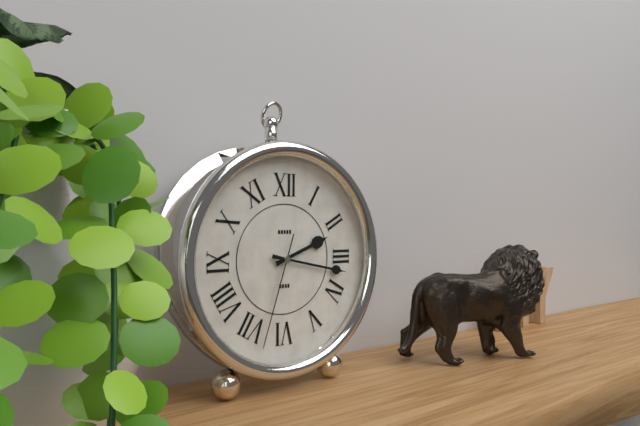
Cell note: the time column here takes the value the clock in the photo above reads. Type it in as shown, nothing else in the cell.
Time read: 2:17:33
